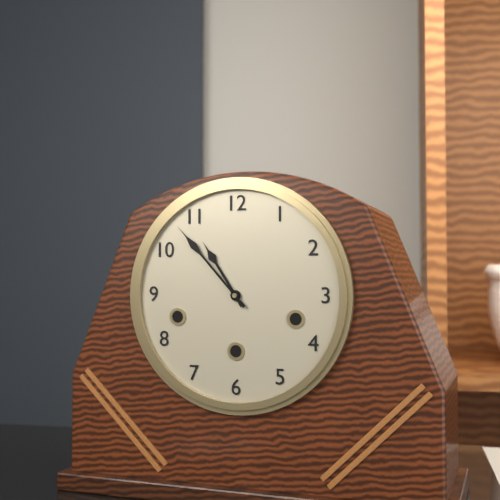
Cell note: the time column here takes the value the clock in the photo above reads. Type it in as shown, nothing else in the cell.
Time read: 10:53
